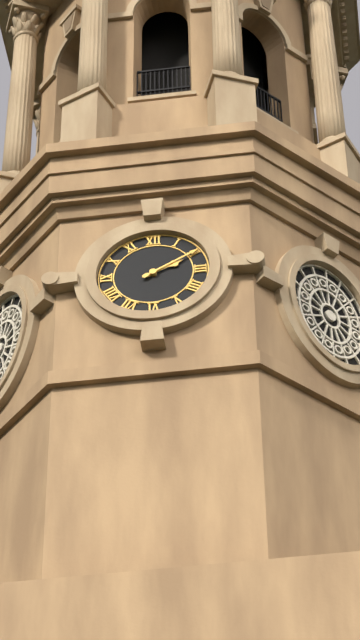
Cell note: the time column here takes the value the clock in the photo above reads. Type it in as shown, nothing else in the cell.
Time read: 2:10
